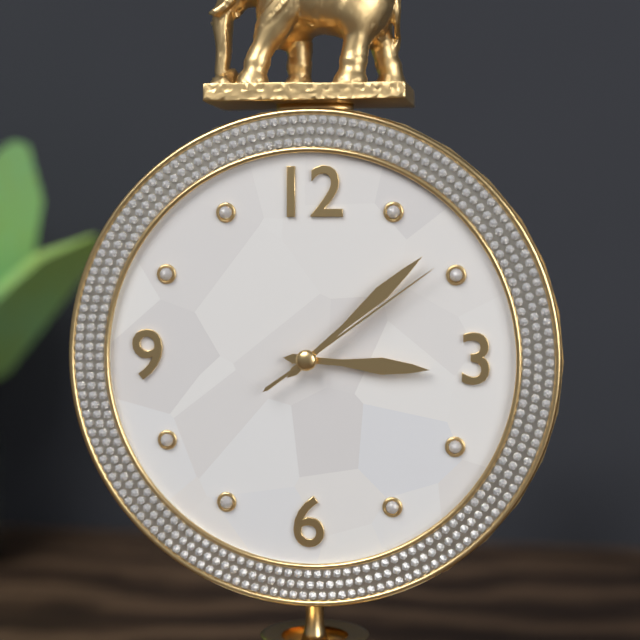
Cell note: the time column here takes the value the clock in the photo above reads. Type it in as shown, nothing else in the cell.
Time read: 3:08:09
